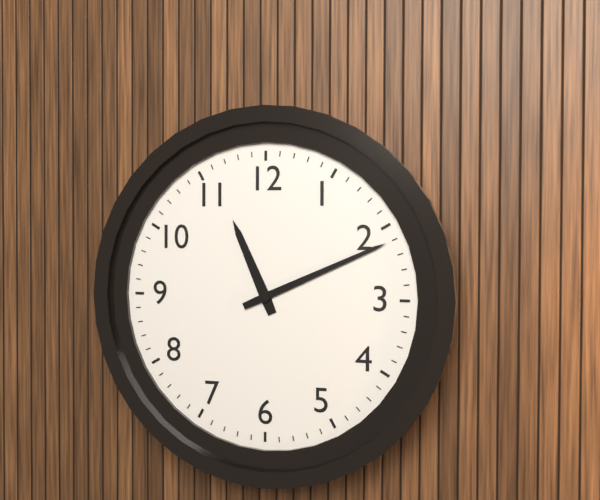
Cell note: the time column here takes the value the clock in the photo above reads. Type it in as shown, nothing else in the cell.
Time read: 11:11
